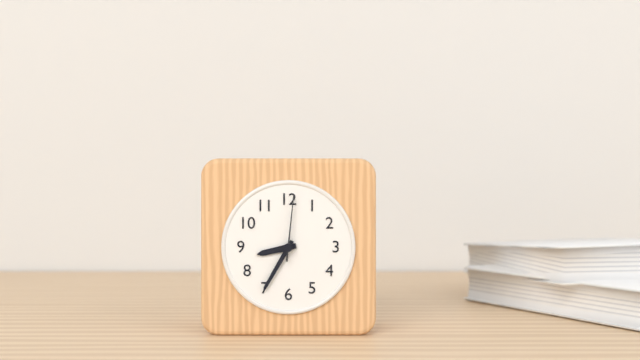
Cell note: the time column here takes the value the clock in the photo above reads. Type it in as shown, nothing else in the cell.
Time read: 8:35:01
